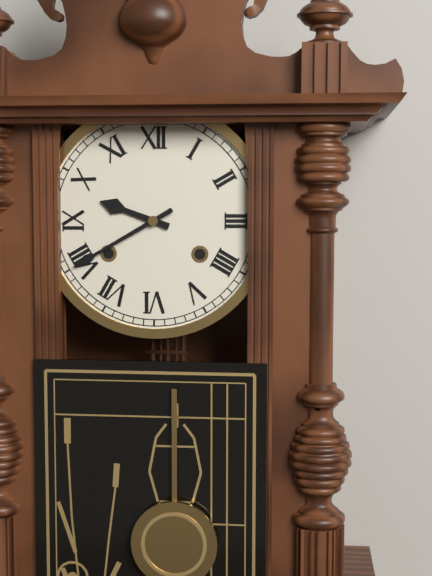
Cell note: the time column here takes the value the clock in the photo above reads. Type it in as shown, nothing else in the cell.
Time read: 9:40
